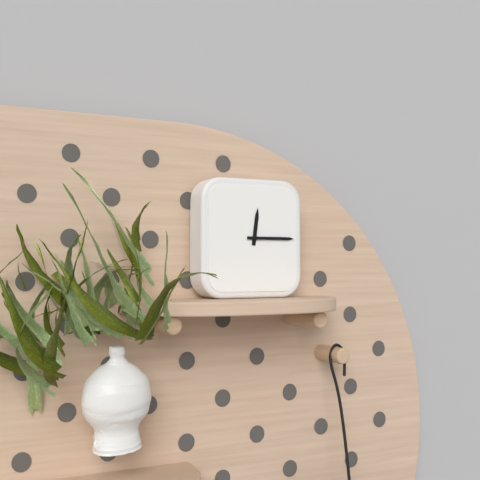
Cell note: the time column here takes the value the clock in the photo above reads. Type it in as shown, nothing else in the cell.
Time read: 12:15
